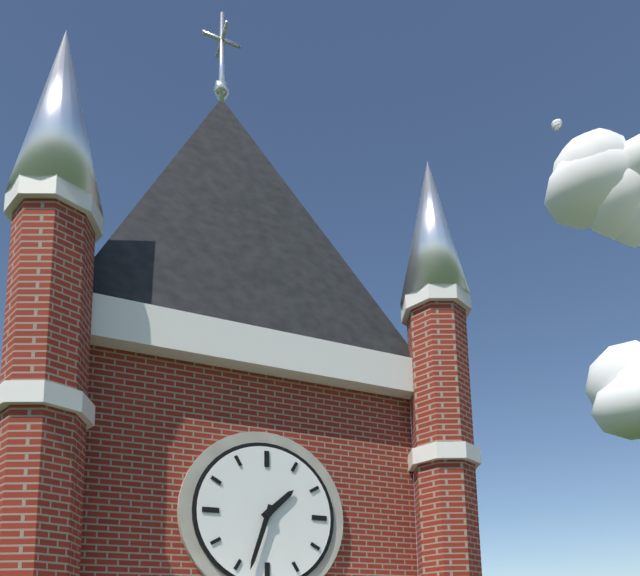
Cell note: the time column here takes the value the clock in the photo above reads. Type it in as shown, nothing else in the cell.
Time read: 1:33
